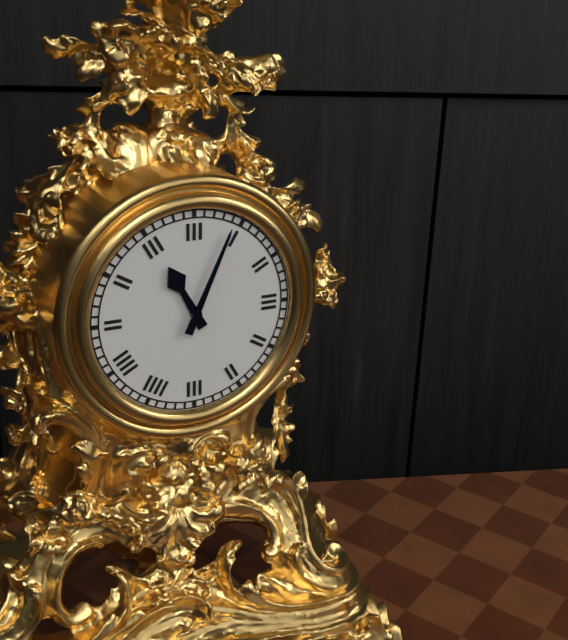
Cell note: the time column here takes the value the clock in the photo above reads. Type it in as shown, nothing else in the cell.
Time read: 11:04
